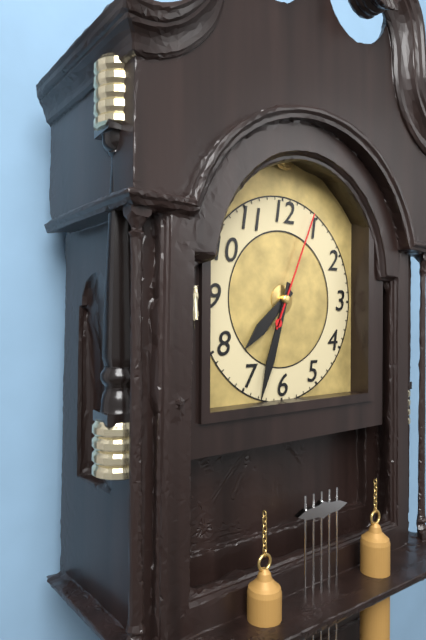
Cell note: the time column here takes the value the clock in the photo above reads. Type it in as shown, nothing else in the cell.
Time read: 7:33:04
